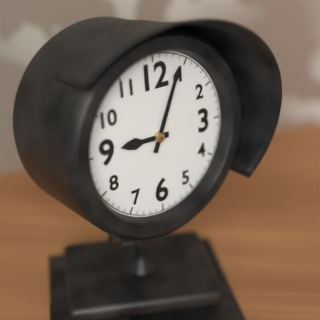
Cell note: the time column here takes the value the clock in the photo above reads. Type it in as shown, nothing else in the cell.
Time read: 9:04
